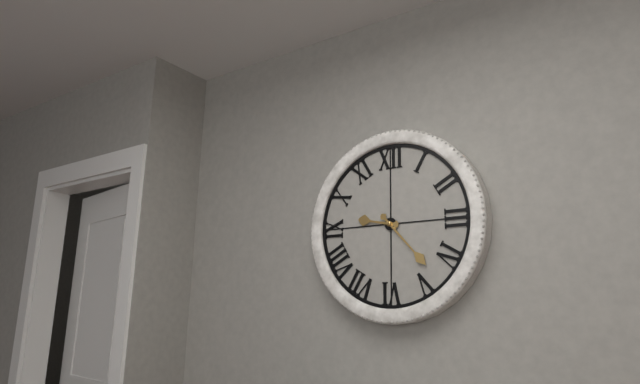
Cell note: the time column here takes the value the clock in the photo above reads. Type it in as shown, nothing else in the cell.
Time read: 9:23
